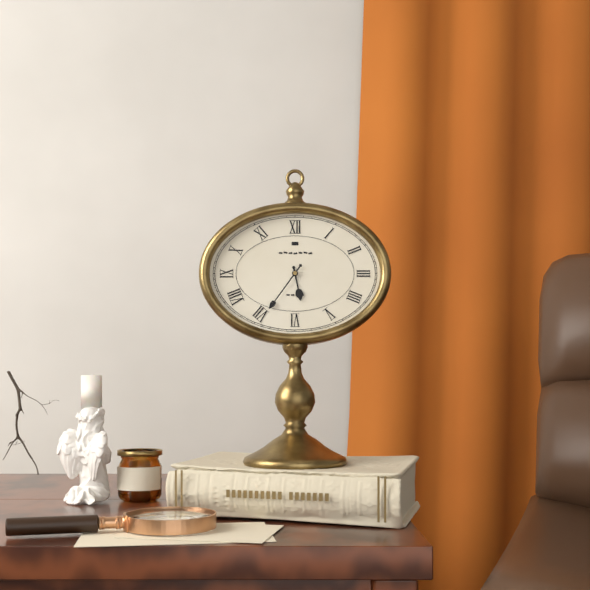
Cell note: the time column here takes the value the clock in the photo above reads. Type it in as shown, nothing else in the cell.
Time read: 5:36
